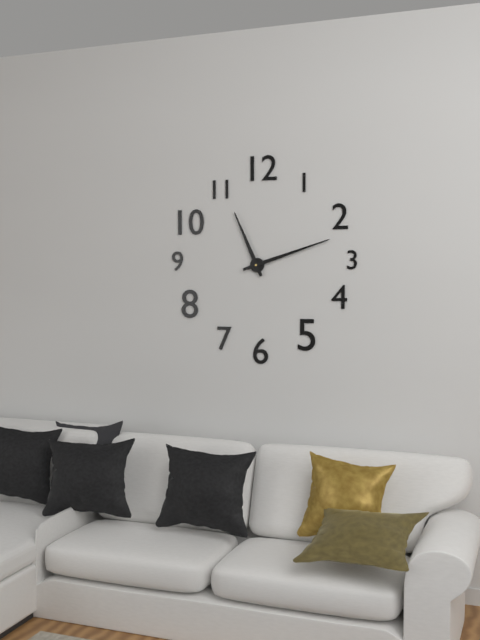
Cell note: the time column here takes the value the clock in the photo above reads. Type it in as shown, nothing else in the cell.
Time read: 11:12
